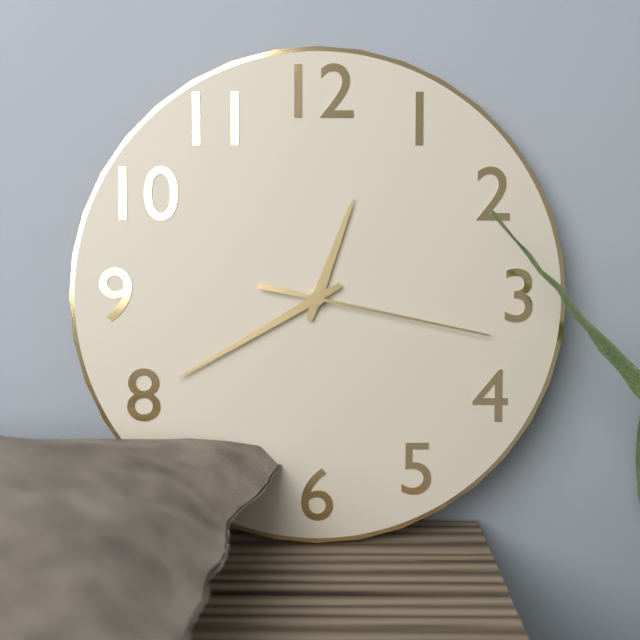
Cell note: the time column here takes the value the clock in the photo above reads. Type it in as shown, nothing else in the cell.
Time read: 12:40:17
